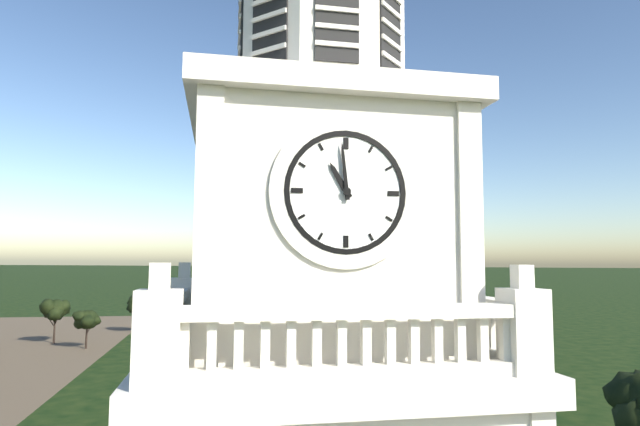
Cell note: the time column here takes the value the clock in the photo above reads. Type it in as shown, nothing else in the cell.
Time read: 10:59
